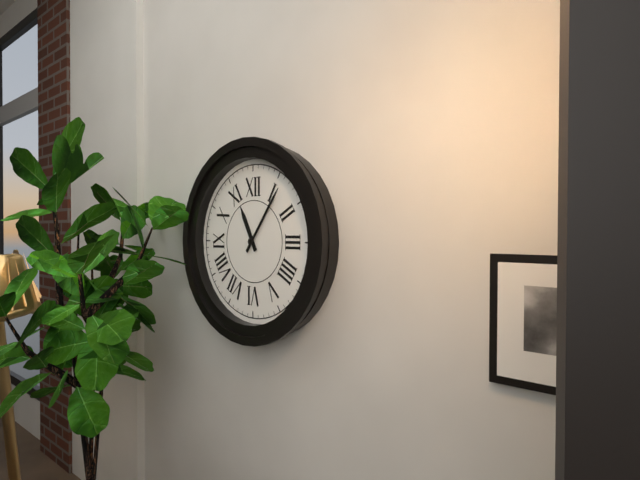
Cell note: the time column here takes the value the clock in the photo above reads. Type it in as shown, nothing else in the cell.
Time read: 11:06
